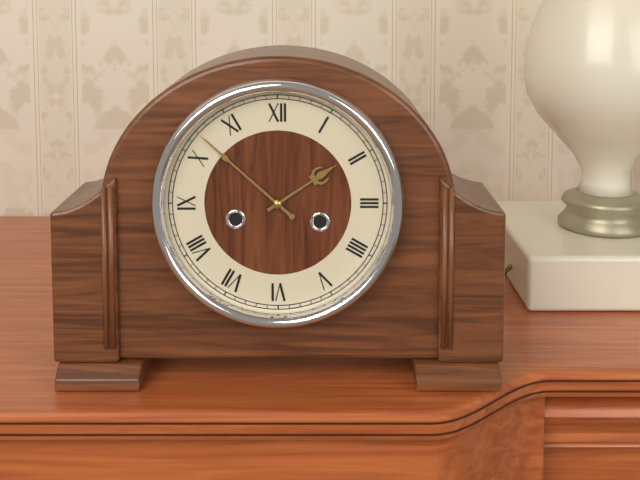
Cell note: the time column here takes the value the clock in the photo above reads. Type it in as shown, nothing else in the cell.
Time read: 1:52
